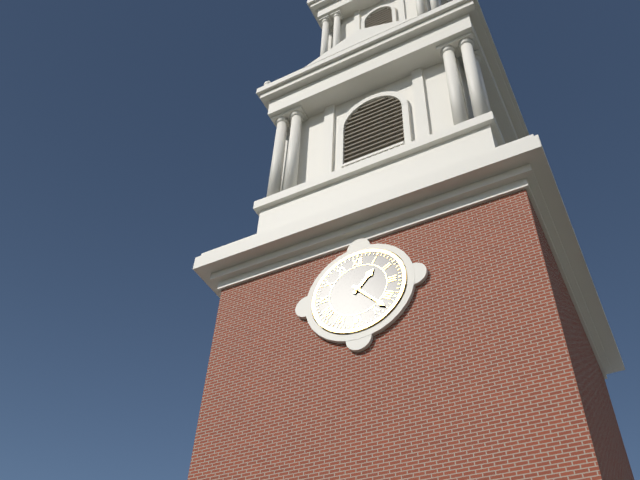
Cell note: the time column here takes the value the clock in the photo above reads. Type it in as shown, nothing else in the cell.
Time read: 1:23
